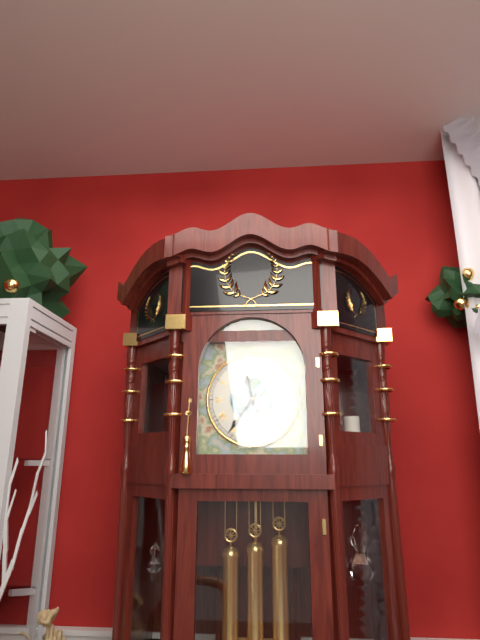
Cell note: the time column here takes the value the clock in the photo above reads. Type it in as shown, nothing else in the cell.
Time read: 11:36
